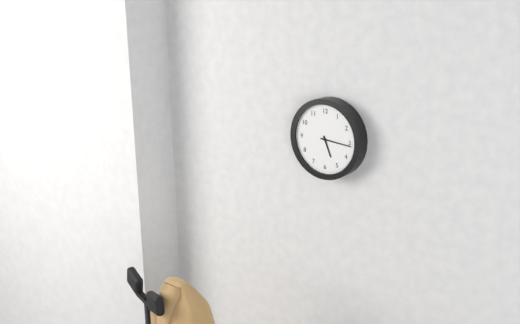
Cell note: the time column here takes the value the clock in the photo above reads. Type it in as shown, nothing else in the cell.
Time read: 5:16
